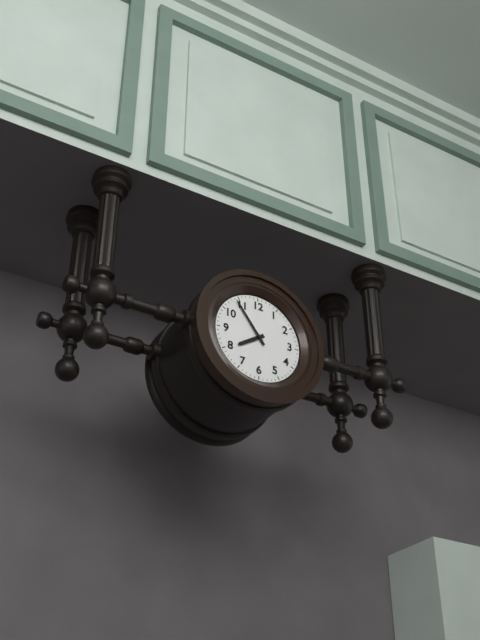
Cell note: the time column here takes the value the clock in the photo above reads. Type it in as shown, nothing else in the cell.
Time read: 7:54
